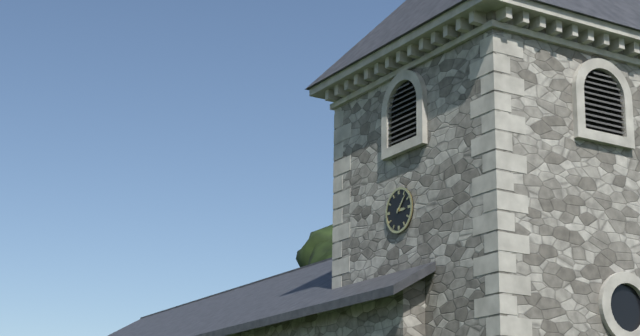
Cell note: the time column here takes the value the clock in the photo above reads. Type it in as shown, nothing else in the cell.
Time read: 3:07
